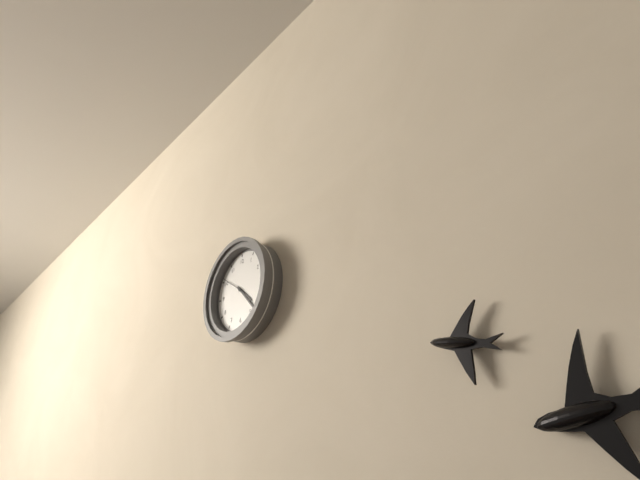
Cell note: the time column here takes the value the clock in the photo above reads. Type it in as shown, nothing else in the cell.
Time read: 4:23
